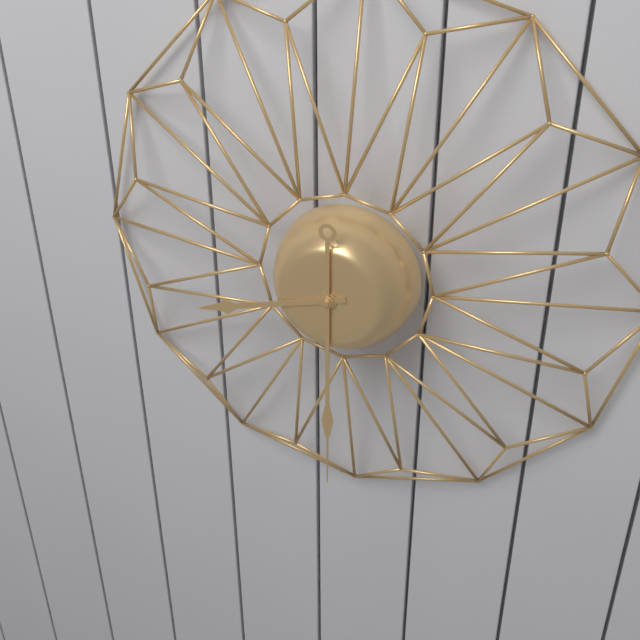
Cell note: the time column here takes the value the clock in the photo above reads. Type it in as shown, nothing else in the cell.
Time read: 8:30
